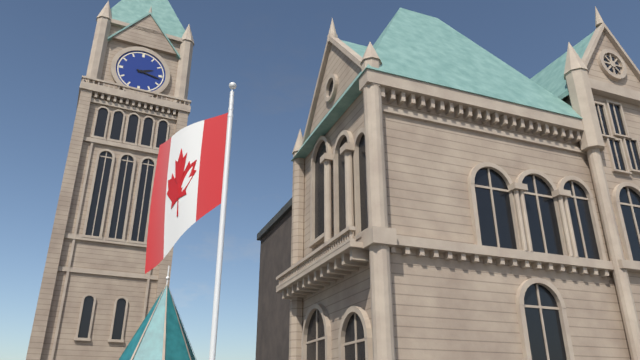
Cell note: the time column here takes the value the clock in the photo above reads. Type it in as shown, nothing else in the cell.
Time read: 2:17
